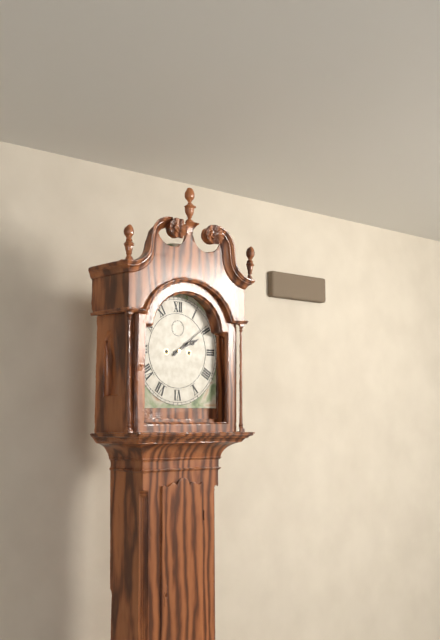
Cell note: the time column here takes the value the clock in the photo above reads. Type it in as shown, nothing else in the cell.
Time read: 2:09
